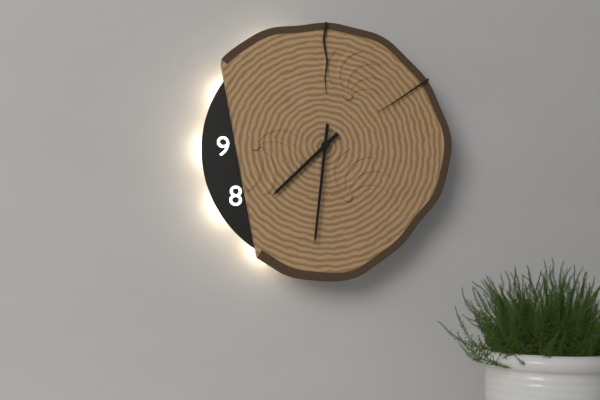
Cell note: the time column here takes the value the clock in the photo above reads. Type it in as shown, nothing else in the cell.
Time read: 7:31
